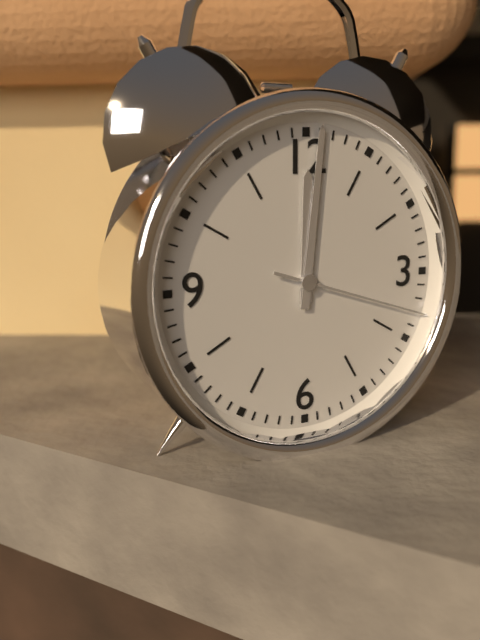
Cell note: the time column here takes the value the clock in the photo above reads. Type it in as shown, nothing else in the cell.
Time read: 12:01:18
